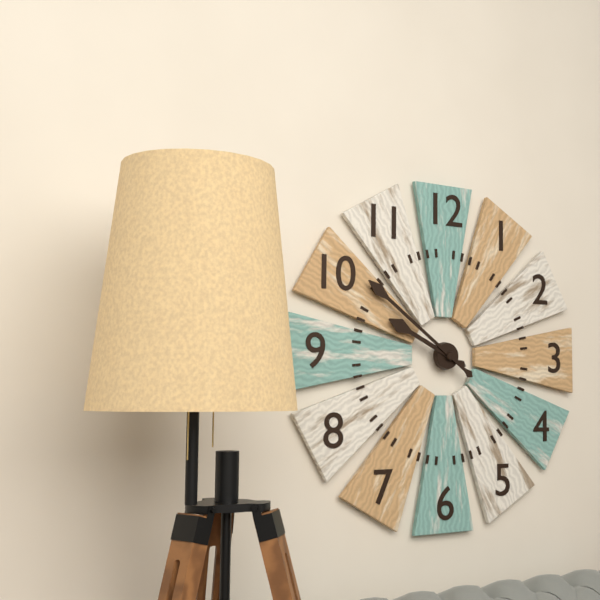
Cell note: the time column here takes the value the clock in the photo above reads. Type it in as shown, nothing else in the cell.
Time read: 9:51
